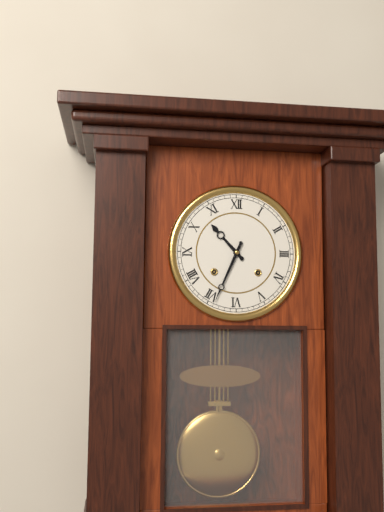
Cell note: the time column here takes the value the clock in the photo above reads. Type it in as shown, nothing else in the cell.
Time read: 10:34
